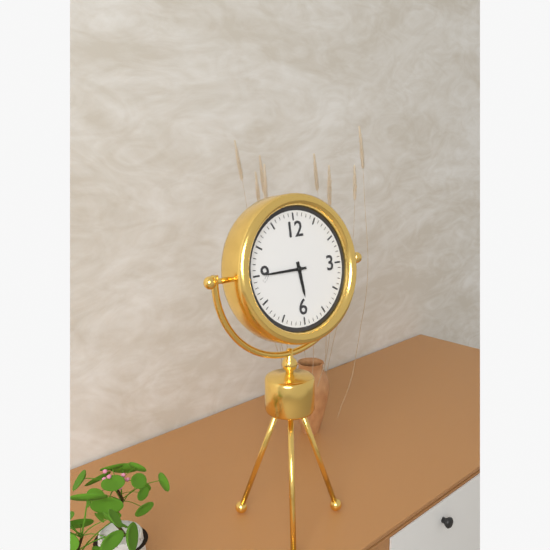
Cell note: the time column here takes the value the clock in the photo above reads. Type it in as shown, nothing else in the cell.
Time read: 5:45
